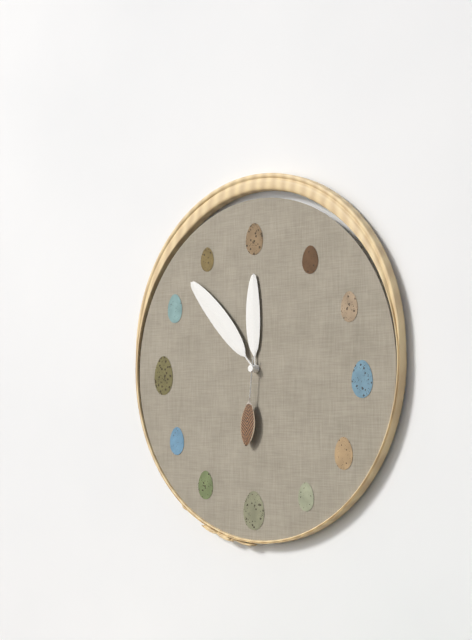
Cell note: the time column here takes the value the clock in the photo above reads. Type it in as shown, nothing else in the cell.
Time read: 11:53:31
